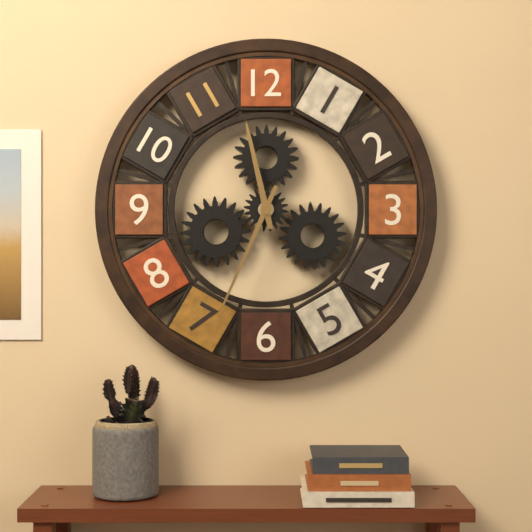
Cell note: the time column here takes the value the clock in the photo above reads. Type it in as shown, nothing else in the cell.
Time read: 11:34
